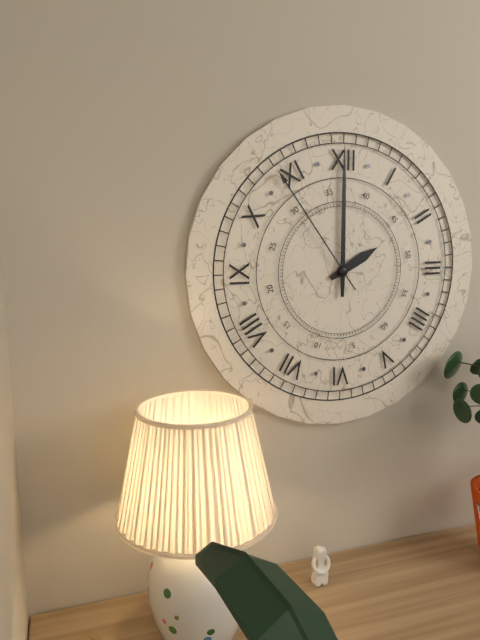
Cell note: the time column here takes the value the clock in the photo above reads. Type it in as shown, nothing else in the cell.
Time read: 2:00:54
